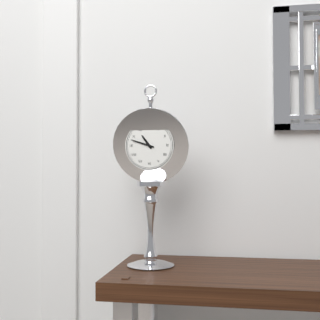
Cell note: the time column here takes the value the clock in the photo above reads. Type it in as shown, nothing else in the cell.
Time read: 10:48
